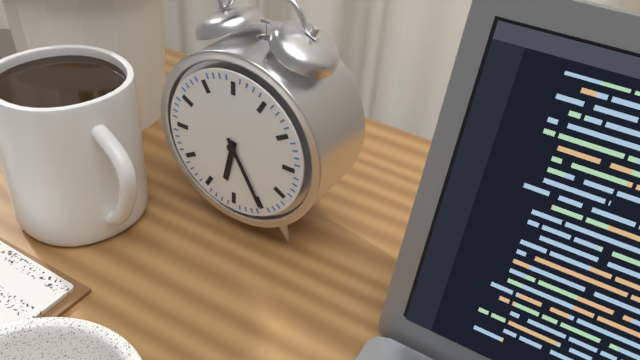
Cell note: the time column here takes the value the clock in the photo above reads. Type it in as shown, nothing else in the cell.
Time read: 6:25
